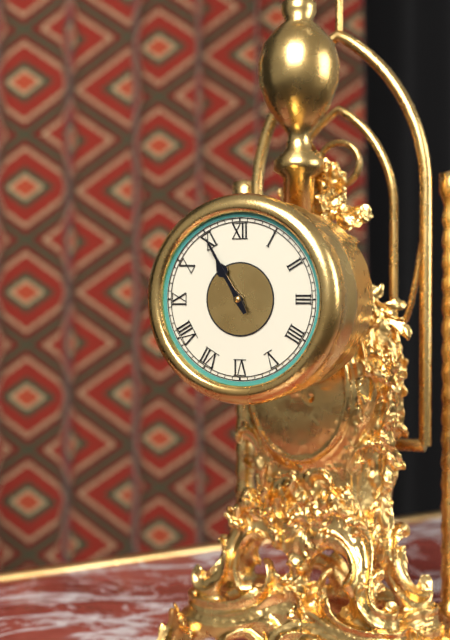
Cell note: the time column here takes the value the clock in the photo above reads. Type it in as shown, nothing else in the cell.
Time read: 10:55
